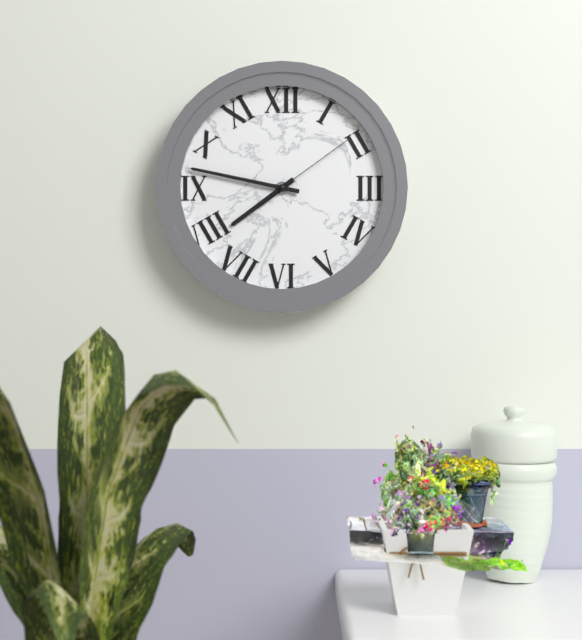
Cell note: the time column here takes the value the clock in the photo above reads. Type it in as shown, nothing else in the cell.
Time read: 7:47:09
